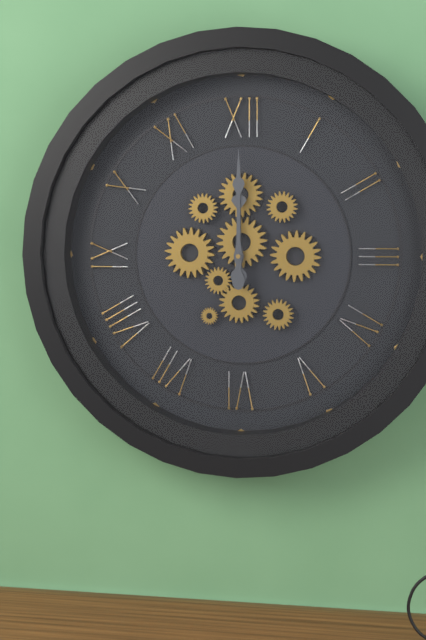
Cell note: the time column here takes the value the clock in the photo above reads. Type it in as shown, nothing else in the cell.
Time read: 12:00
